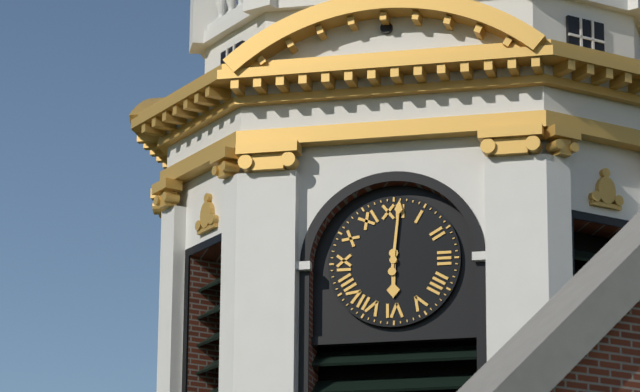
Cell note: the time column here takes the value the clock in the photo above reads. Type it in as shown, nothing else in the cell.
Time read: 6:01
